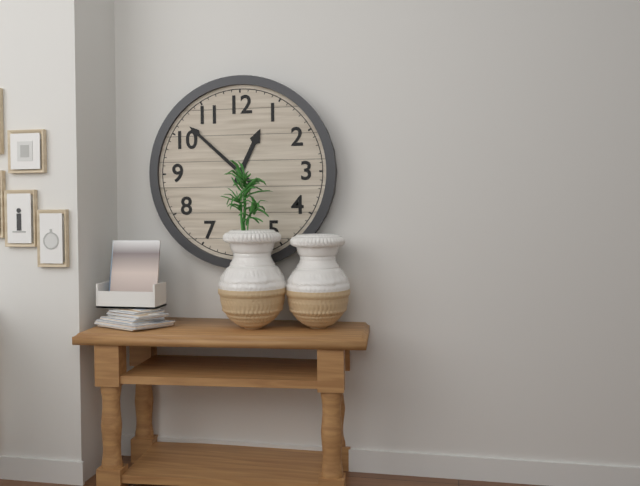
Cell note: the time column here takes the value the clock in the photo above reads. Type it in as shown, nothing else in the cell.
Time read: 12:52
